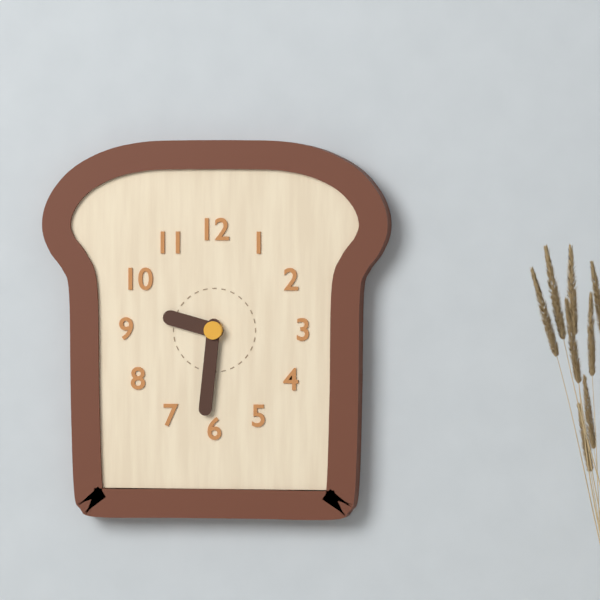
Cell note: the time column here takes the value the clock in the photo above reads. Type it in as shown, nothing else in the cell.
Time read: 9:31
